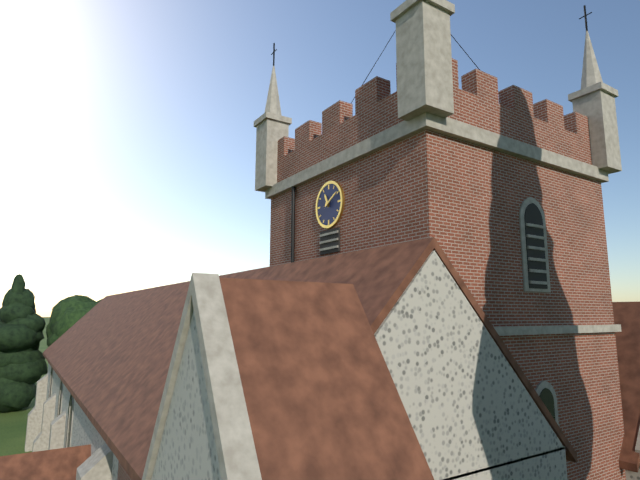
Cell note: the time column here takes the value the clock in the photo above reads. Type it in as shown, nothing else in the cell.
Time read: 11:10
